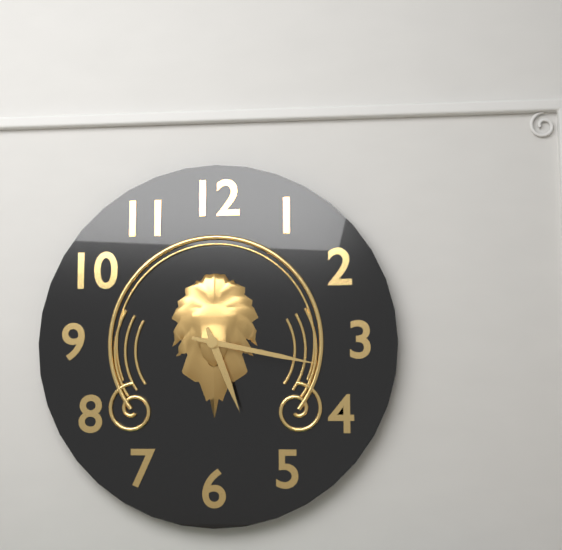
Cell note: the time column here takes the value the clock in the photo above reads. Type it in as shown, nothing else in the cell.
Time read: 5:17
